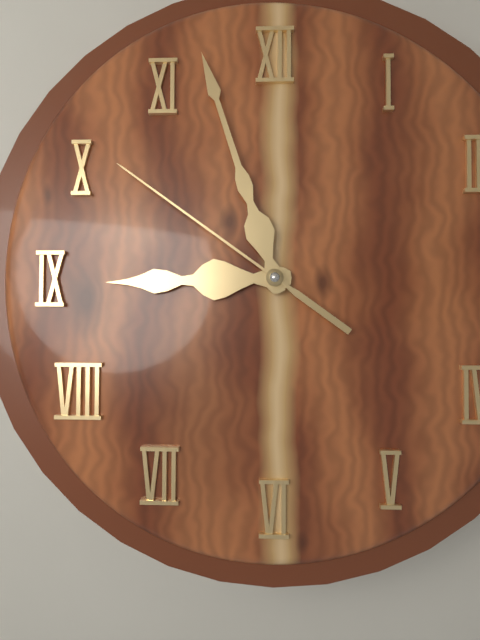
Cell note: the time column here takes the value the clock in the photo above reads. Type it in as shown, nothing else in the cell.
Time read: 8:57:51
